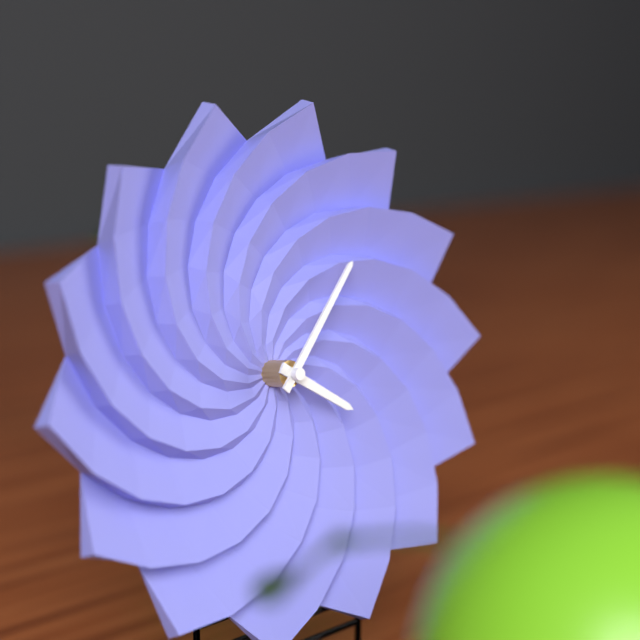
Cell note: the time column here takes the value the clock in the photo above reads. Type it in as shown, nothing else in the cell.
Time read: 4:07
